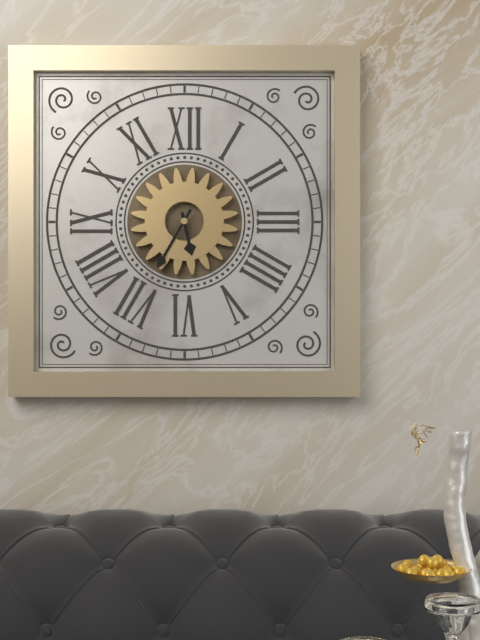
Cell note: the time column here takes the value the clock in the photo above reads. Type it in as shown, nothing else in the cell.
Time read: 5:35
